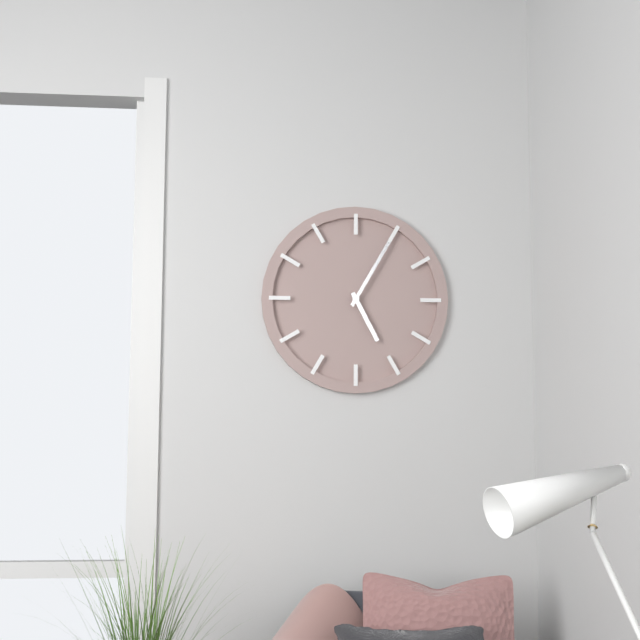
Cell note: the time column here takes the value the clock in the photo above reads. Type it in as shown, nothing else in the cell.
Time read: 5:05
